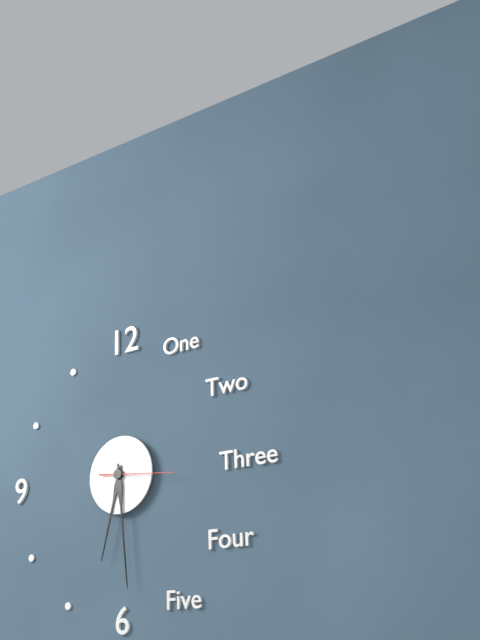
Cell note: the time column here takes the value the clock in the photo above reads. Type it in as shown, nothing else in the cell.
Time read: 6:29:16
